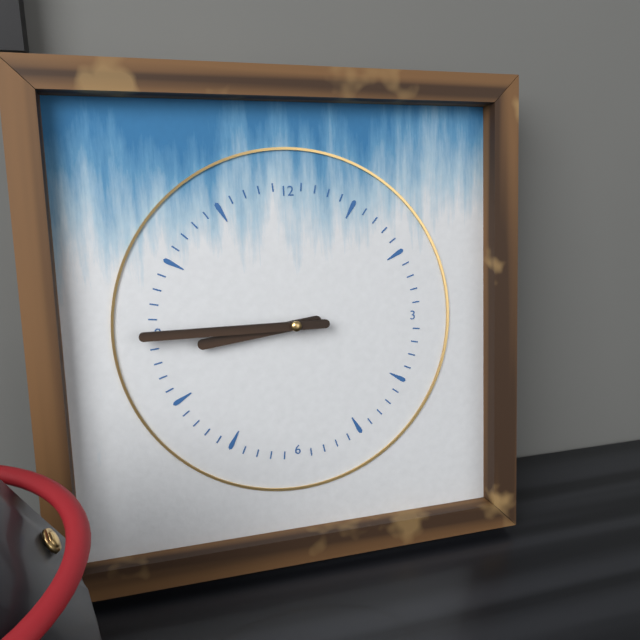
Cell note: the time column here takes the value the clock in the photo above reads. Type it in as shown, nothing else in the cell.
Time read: 8:45
